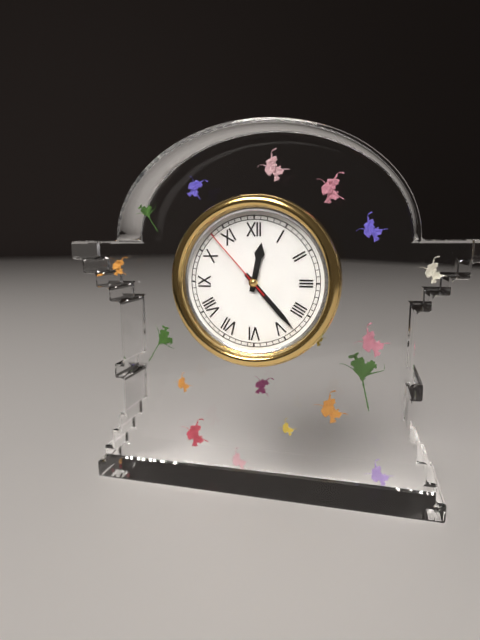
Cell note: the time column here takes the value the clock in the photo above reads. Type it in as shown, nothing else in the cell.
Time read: 12:23:53
